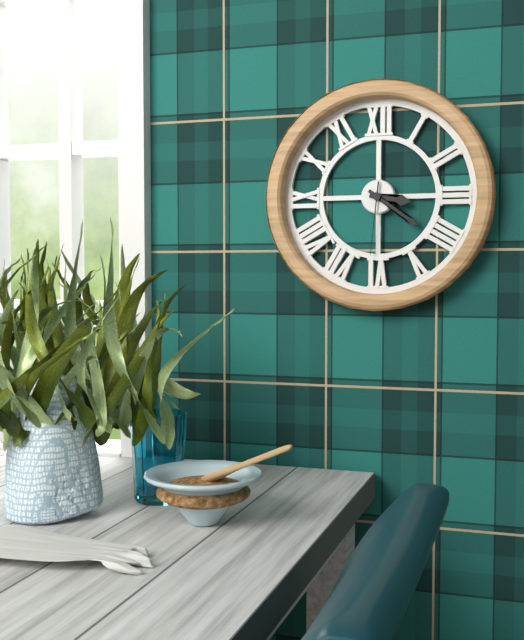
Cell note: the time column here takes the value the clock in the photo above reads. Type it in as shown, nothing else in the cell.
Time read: 3:21:31
